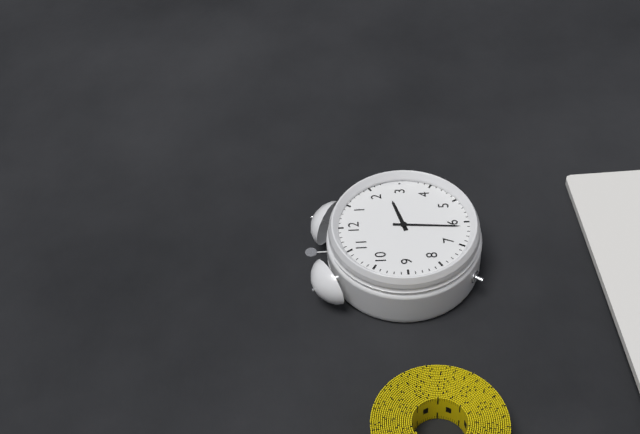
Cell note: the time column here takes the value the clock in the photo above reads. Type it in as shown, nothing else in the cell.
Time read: 2:31
